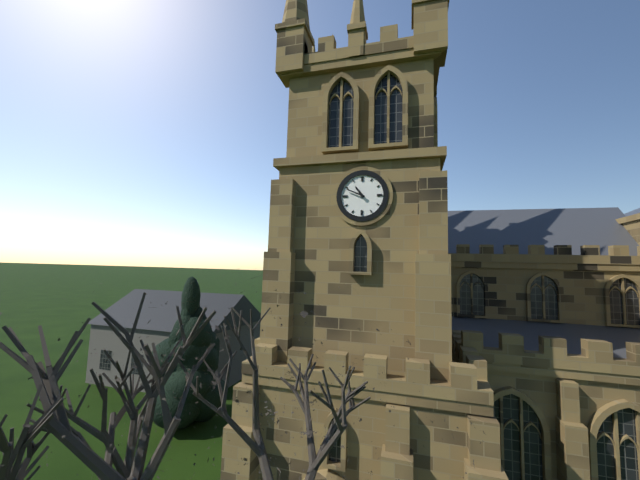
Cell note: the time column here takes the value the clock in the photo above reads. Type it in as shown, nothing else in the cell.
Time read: 10:49
